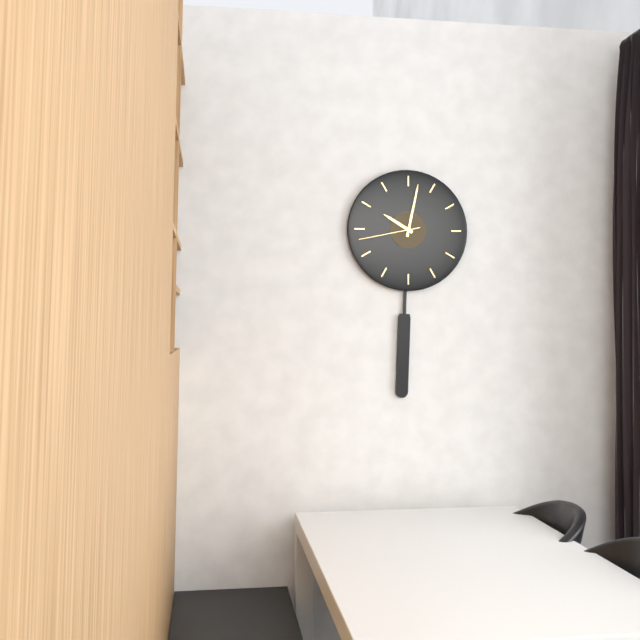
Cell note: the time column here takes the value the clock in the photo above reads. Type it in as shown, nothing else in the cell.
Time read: 10:02:43
